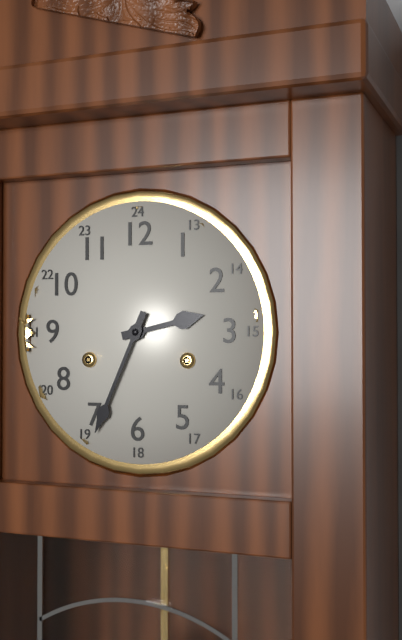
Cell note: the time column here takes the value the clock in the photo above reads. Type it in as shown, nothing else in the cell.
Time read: 2:34
